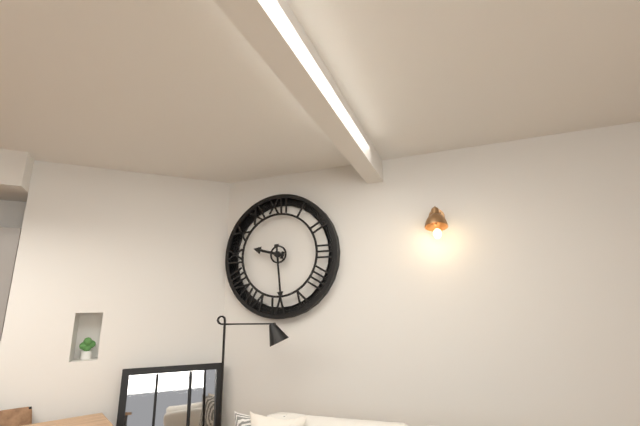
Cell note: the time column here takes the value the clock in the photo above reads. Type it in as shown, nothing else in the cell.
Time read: 9:29
